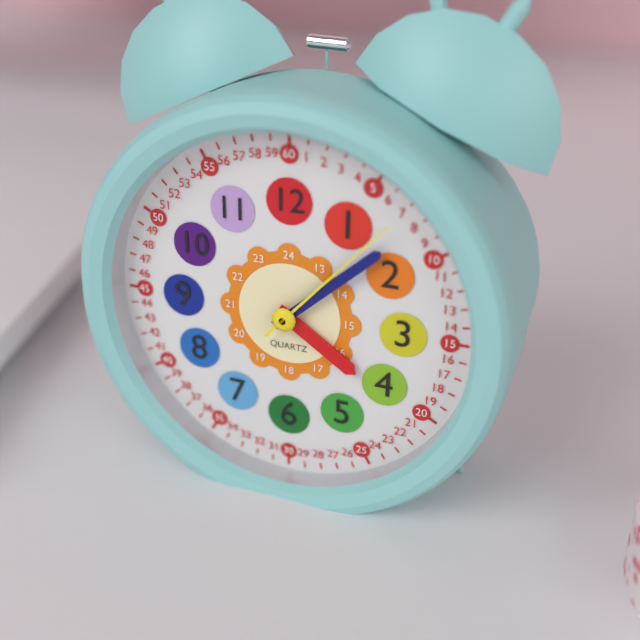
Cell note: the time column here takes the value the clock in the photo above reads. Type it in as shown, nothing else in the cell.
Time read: 4:08:07
